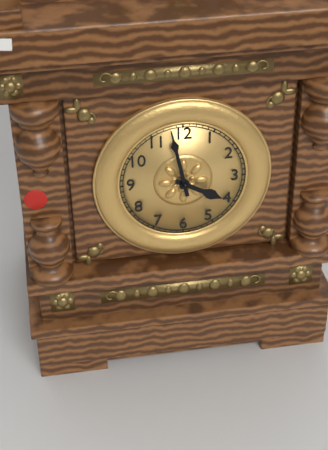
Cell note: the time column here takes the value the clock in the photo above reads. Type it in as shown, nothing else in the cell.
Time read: 3:58
